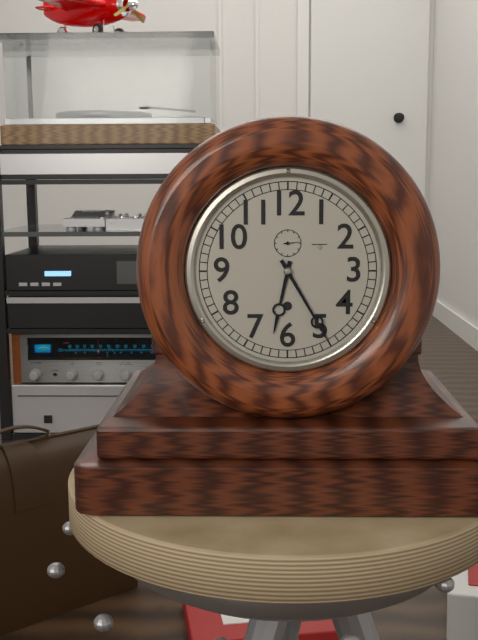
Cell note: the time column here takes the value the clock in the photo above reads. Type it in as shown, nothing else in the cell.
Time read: 6:25
